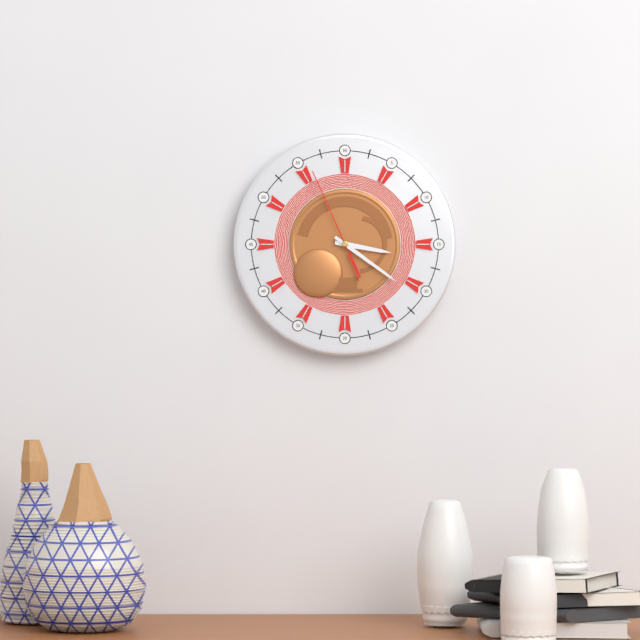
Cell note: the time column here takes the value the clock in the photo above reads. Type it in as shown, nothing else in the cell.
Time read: 3:21:56
